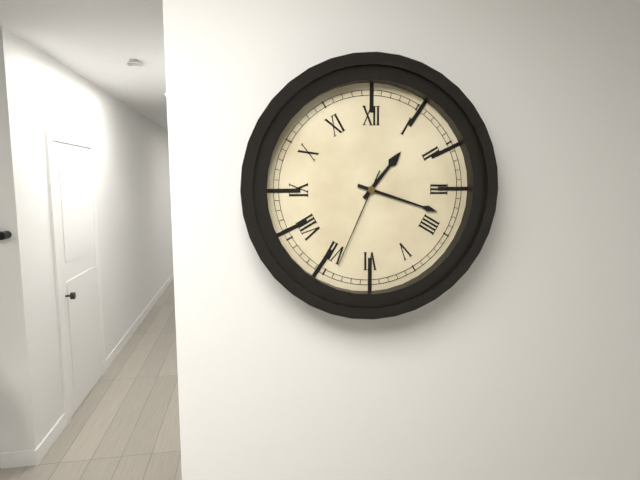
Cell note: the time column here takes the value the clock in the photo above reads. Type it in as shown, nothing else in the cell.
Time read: 1:18:34
